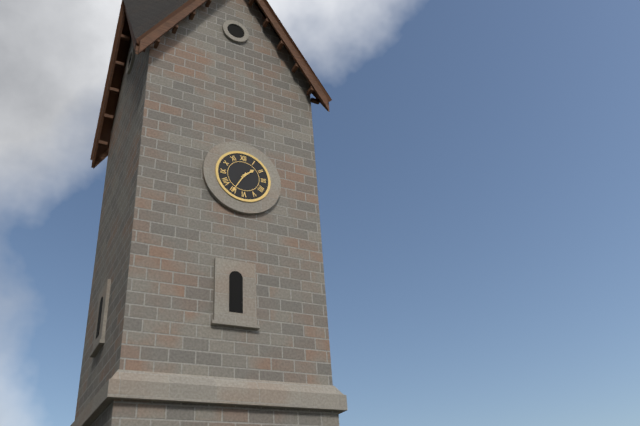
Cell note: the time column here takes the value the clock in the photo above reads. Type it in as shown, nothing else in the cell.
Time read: 1:35
